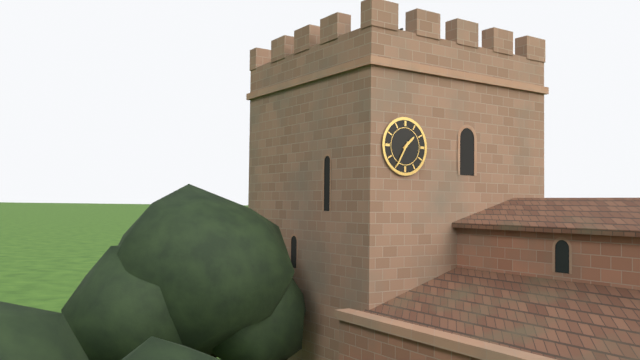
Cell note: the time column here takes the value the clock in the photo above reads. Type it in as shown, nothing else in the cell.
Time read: 1:35
